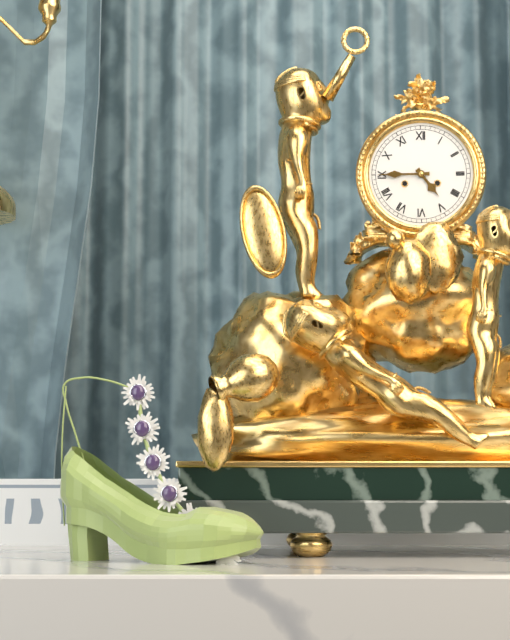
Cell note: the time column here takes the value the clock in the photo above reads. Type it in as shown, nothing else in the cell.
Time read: 4:45
